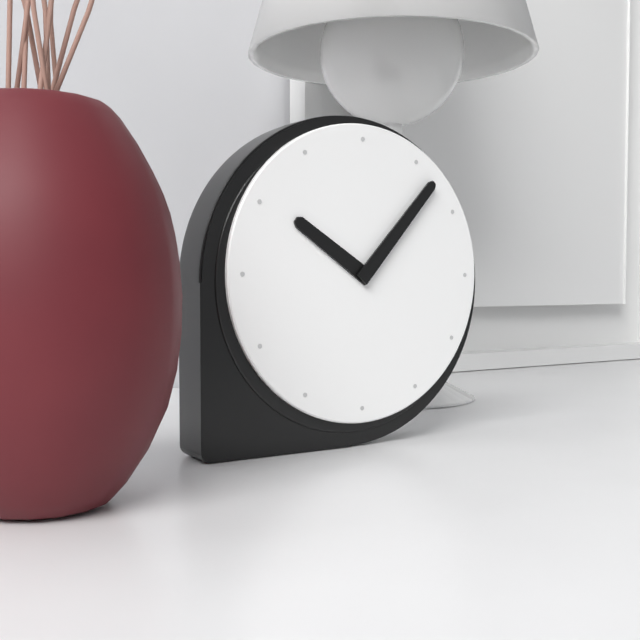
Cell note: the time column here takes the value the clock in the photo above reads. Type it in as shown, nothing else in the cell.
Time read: 10:07
